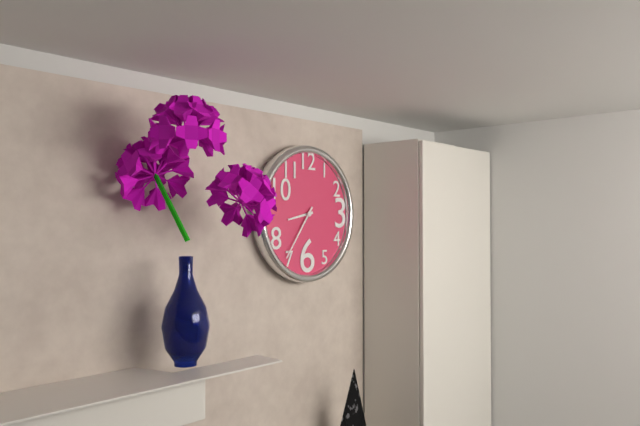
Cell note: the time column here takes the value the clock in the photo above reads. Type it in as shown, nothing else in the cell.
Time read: 8:36
